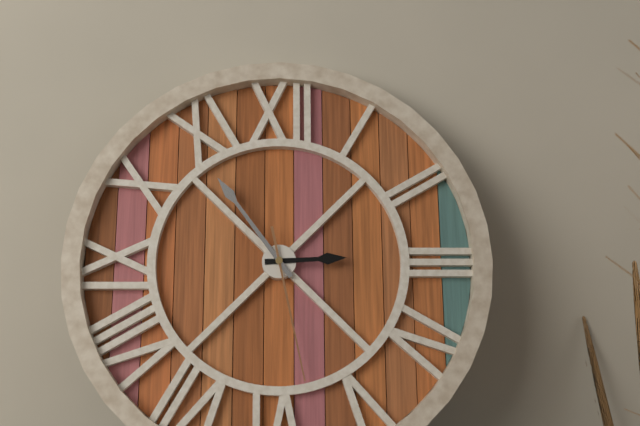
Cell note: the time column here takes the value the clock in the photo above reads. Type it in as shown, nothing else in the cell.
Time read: 2:54:28
